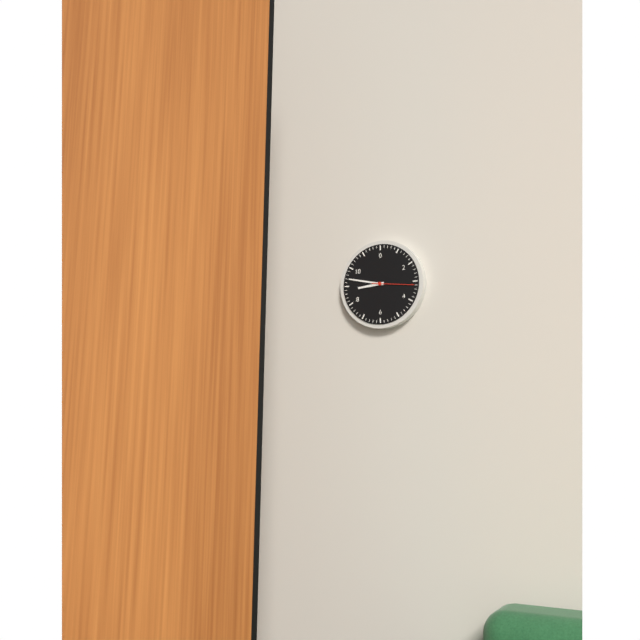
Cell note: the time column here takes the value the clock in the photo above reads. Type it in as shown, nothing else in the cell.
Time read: 8:47
